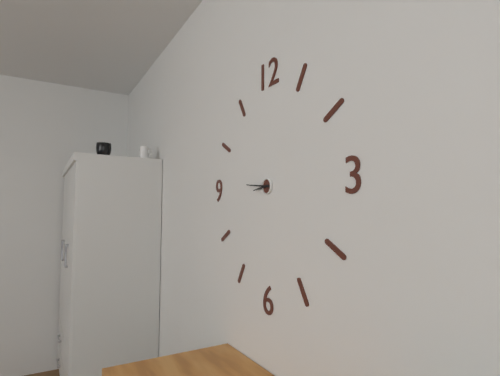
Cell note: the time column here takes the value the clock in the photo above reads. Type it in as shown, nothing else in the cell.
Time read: 8:46
